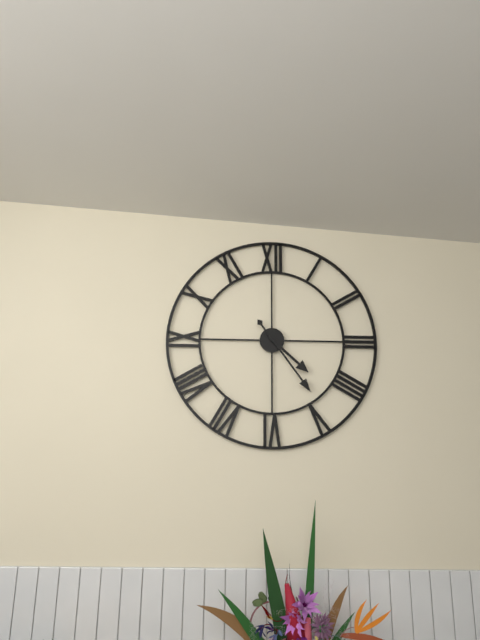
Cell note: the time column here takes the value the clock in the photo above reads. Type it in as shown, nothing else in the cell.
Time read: 4:24
